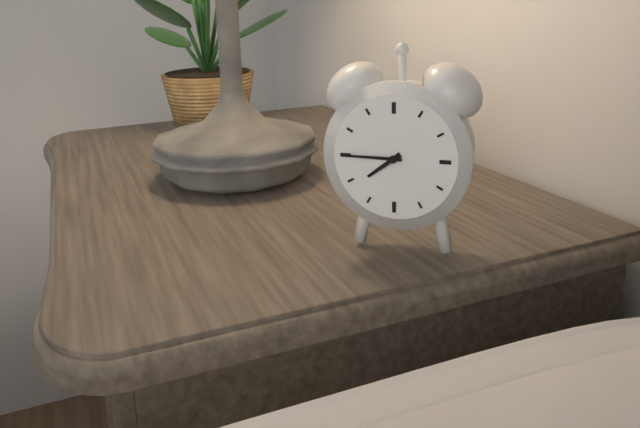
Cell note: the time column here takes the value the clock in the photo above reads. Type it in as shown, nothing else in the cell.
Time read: 7:45
